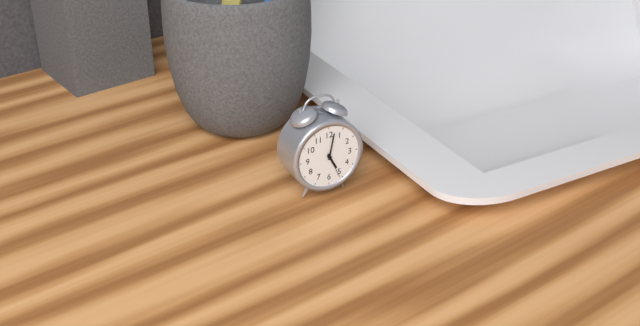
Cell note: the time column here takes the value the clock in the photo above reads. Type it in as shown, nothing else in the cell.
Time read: 5:02
